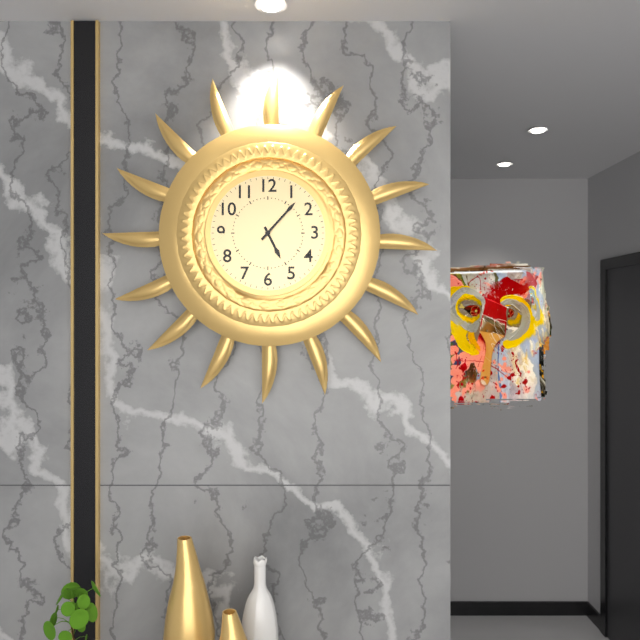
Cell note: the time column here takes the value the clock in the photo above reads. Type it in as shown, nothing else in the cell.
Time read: 5:07
